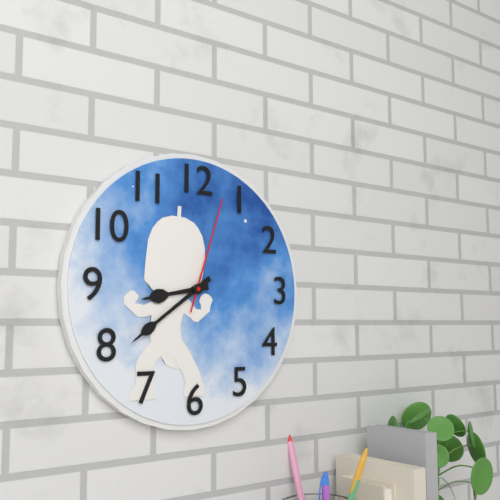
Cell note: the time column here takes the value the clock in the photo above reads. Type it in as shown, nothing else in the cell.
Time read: 8:39:03
